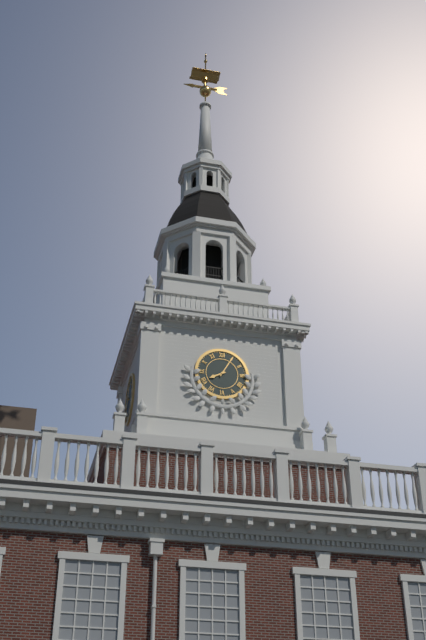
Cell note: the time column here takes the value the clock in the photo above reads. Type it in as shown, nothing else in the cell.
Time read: 8:05
